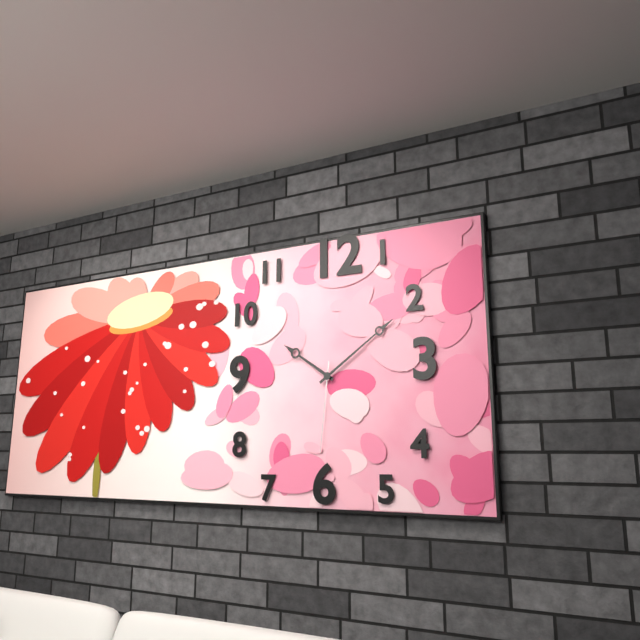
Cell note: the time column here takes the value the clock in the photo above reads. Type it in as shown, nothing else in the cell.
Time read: 10:09:31
